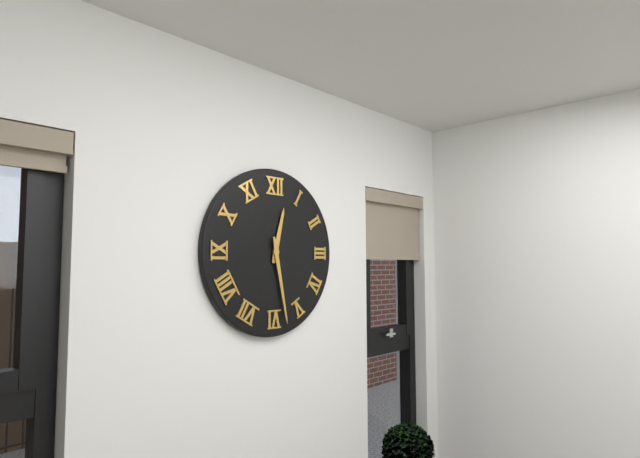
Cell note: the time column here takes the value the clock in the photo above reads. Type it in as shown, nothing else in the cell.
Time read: 12:28
